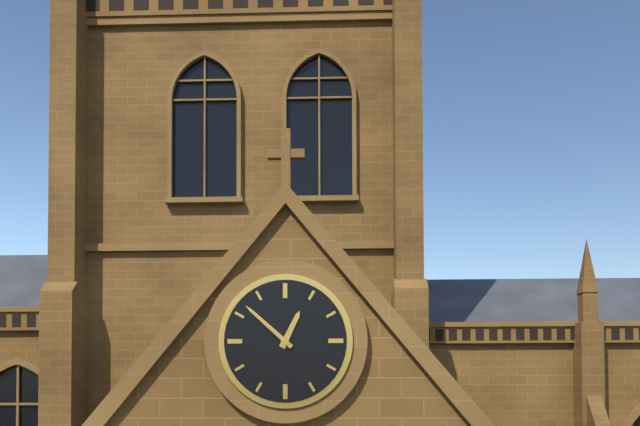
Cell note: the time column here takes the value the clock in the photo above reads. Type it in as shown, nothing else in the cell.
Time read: 12:52
